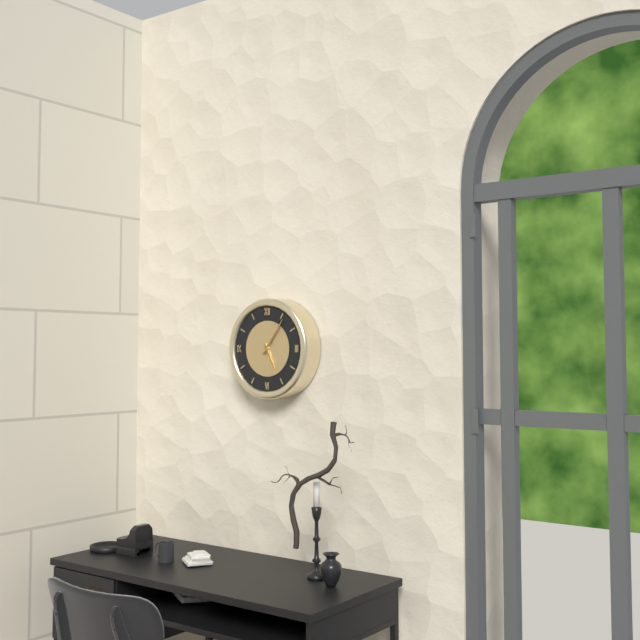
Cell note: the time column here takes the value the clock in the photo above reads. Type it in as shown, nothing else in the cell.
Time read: 5:06
